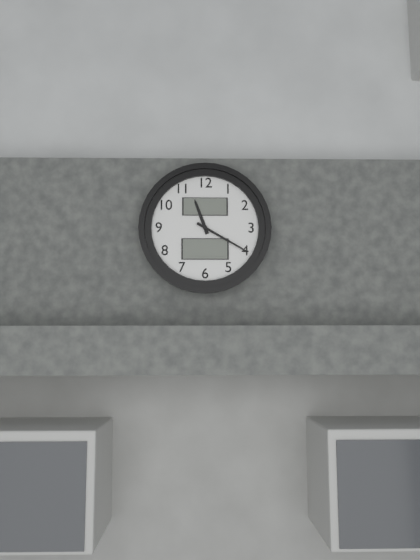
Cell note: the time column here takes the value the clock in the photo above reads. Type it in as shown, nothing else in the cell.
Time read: 11:20
